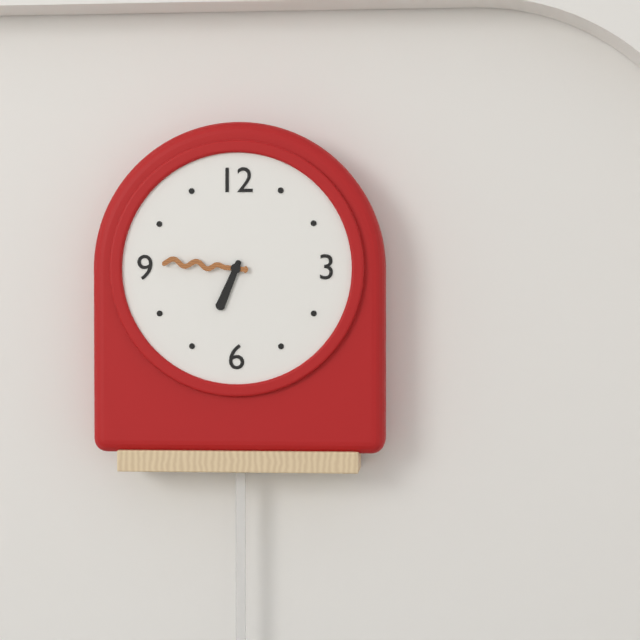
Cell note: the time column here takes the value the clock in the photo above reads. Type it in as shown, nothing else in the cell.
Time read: 6:46
